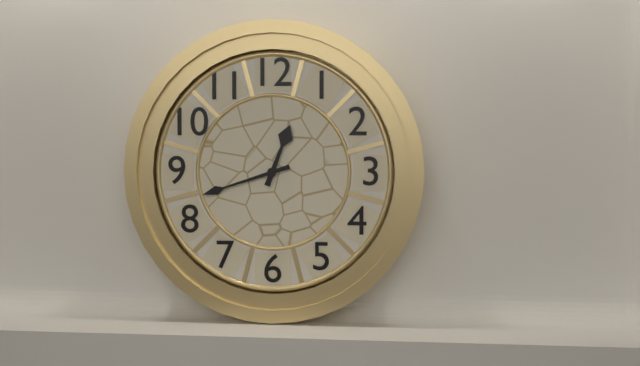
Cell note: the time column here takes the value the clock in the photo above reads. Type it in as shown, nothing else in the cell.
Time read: 12:42
